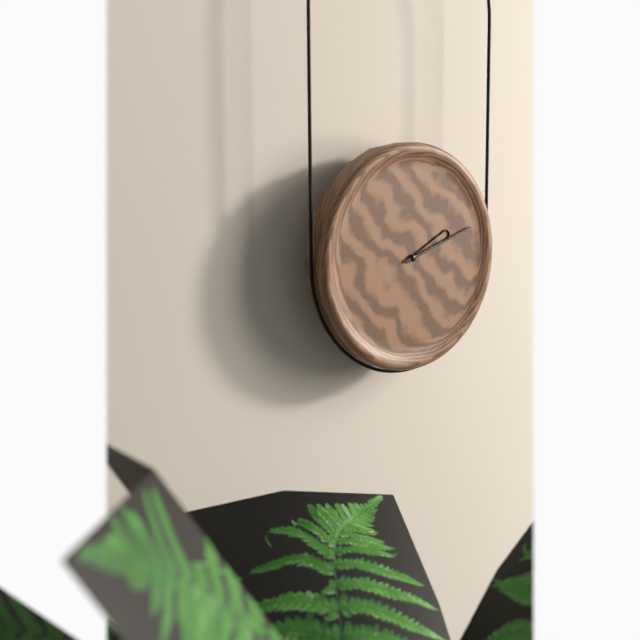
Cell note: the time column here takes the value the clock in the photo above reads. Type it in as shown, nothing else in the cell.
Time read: 2:12
